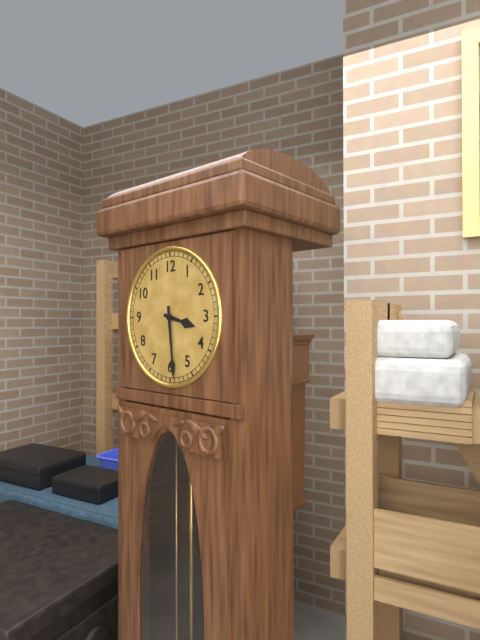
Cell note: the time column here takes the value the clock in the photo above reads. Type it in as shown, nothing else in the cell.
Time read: 3:29
